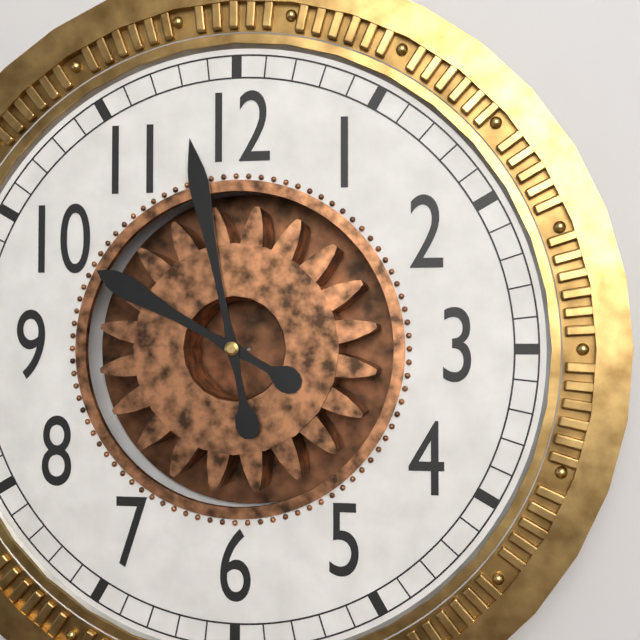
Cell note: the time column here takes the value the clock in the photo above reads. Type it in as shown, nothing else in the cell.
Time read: 9:58
